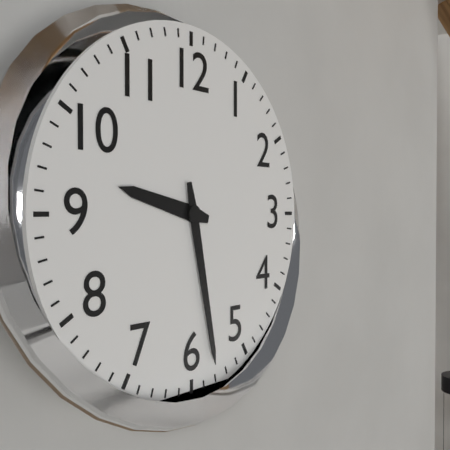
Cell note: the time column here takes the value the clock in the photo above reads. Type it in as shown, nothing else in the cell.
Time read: 9:28
